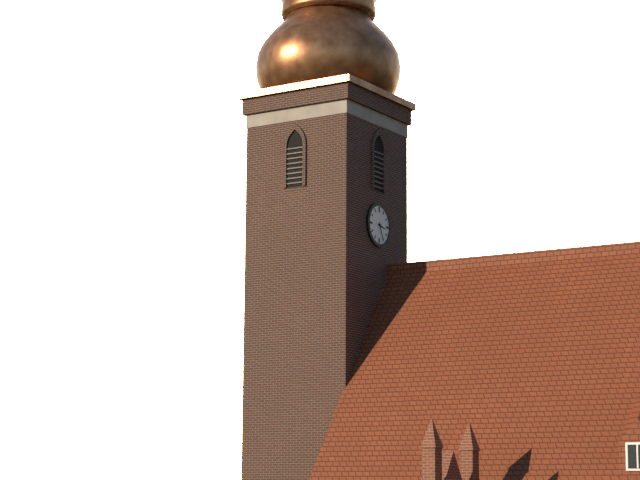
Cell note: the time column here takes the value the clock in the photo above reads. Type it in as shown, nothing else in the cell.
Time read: 3:26
